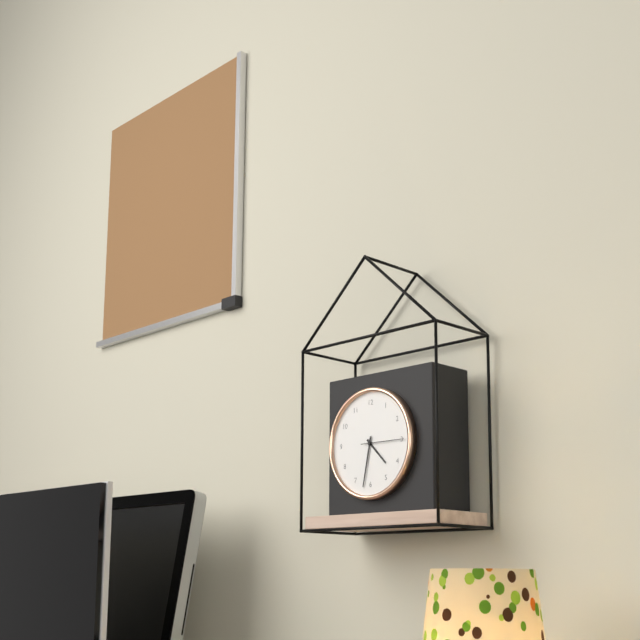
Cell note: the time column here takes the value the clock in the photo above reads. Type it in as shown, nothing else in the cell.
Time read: 4:32
